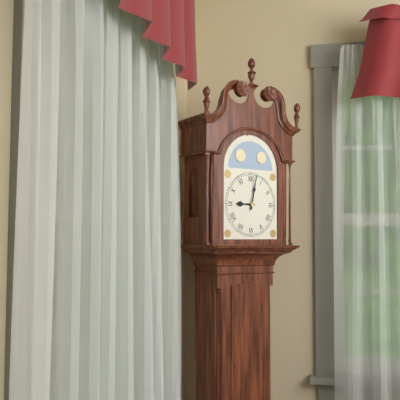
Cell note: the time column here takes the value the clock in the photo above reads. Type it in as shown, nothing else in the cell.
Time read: 9:02
